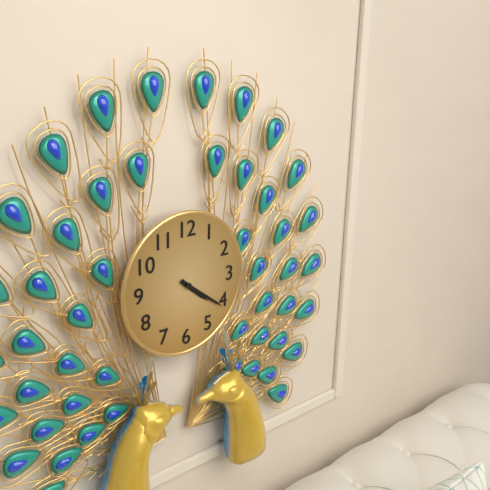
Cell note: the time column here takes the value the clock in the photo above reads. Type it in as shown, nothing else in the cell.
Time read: 4:21
